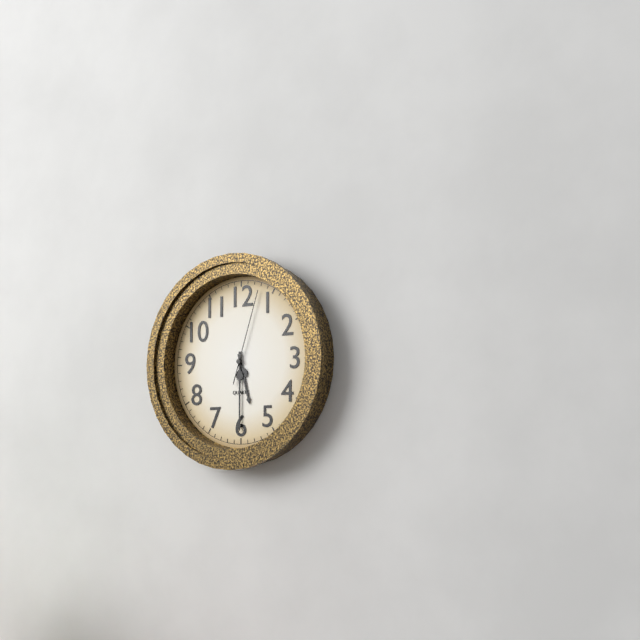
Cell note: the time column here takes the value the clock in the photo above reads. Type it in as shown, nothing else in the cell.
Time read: 5:30:03
